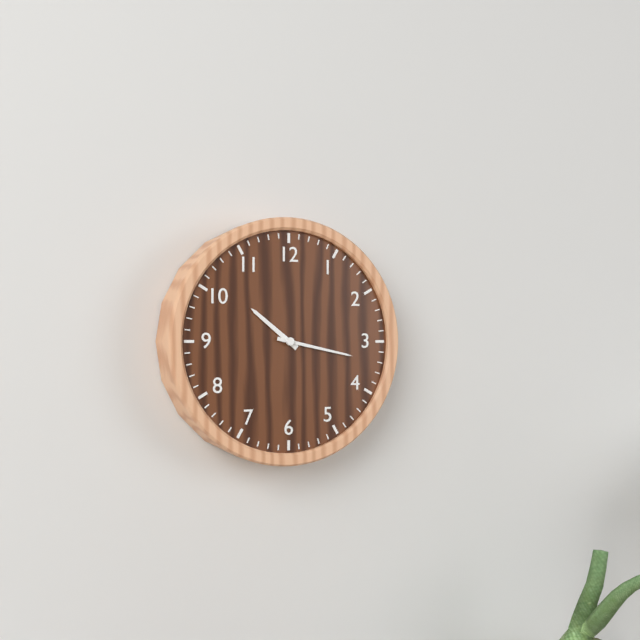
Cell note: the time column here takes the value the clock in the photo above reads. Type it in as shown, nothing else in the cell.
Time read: 10:17
